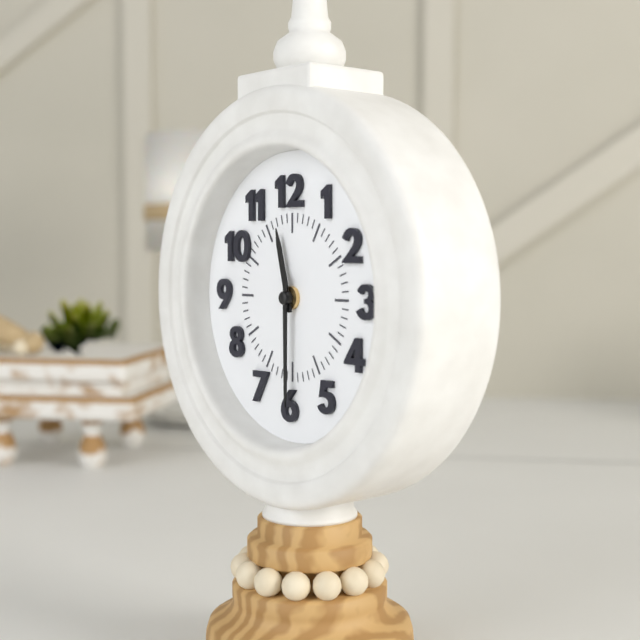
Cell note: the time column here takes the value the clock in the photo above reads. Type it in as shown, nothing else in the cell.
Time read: 11:30
